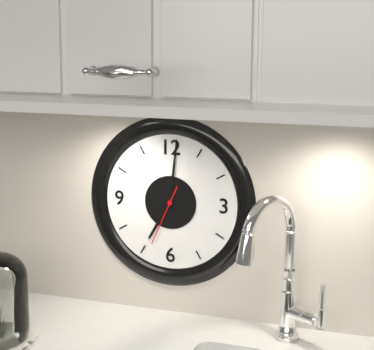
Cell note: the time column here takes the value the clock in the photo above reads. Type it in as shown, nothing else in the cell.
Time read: 7:01:34
